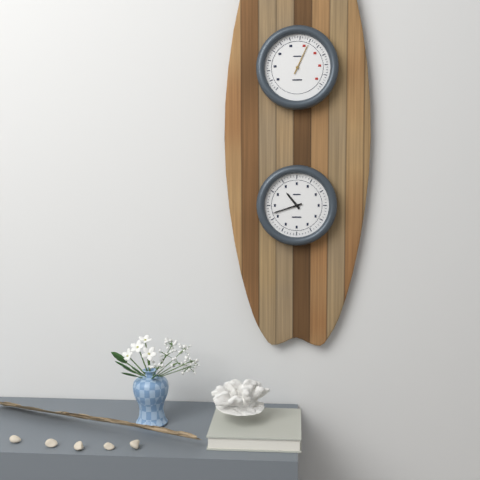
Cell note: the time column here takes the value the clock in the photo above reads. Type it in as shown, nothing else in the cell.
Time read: 10:42
